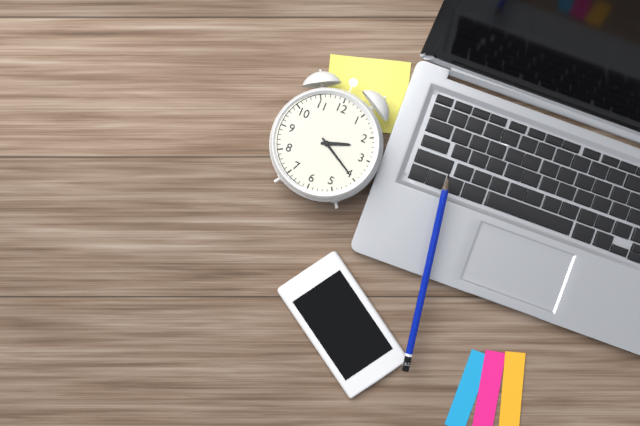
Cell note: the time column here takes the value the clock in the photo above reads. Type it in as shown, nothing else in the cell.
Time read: 2:20
